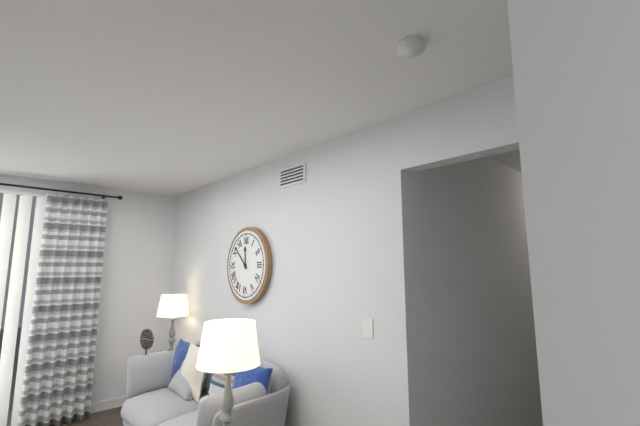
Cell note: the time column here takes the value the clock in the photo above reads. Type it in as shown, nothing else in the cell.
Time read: 11:52
